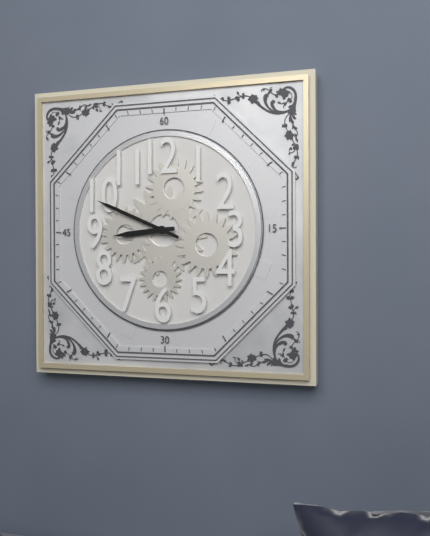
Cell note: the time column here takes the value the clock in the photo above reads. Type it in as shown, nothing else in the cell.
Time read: 8:49
